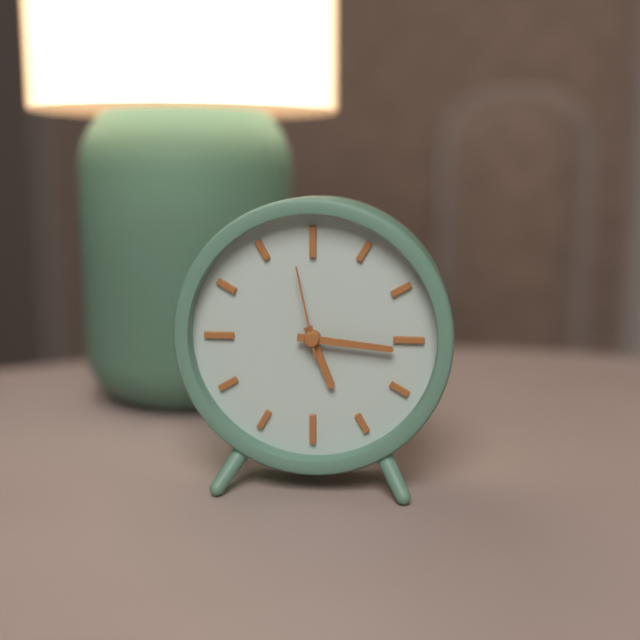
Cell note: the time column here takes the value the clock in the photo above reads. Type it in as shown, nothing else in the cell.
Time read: 5:16:58
